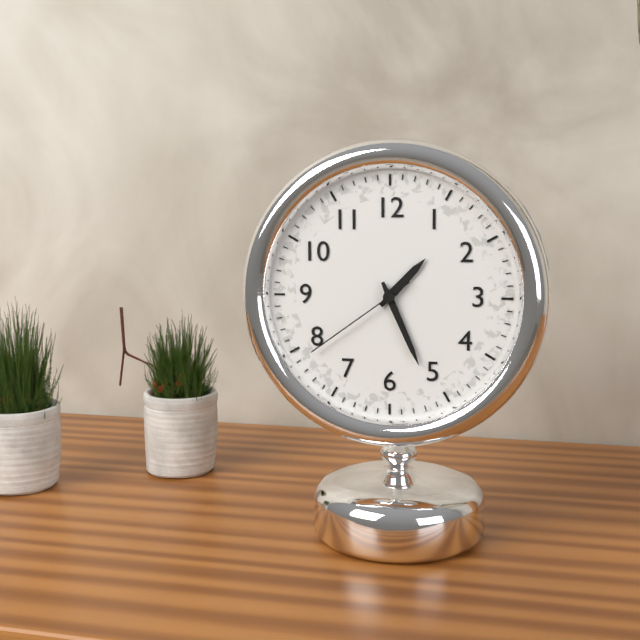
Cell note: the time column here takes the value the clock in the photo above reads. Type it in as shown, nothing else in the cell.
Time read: 1:26:39
